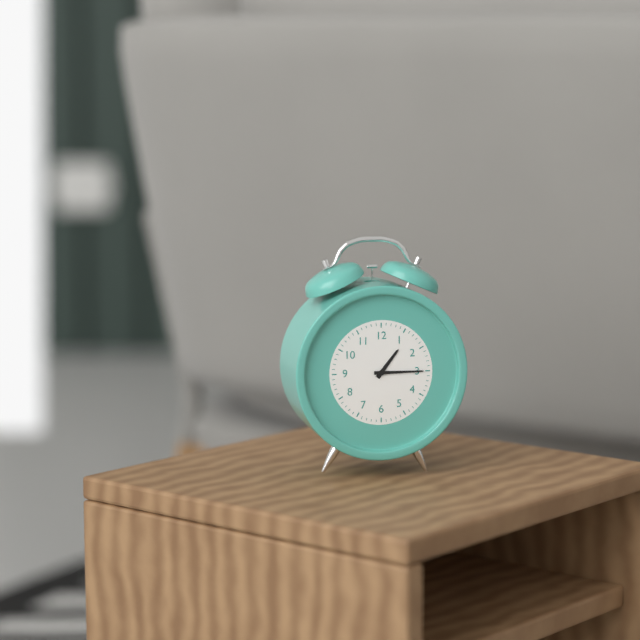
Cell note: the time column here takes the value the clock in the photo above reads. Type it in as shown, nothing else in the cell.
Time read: 1:15
